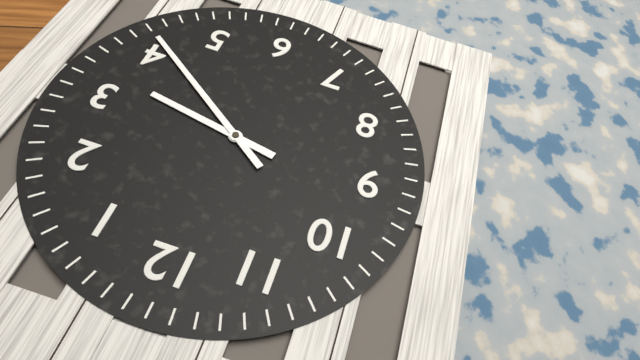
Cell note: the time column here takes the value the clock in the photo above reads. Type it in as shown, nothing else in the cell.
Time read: 3:21
